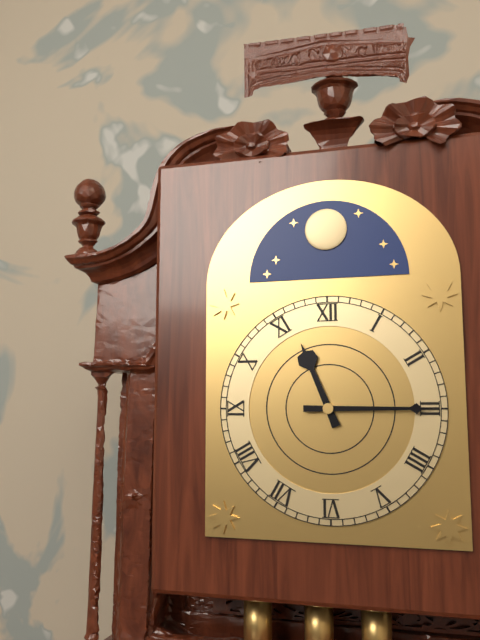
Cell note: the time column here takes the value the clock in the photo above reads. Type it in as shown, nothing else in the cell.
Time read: 11:15
